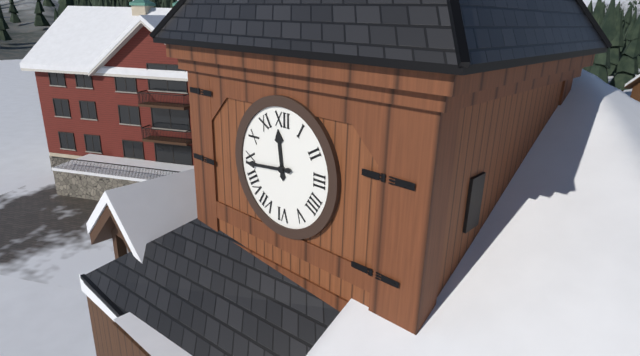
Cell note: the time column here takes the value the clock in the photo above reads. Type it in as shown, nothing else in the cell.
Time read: 11:44
